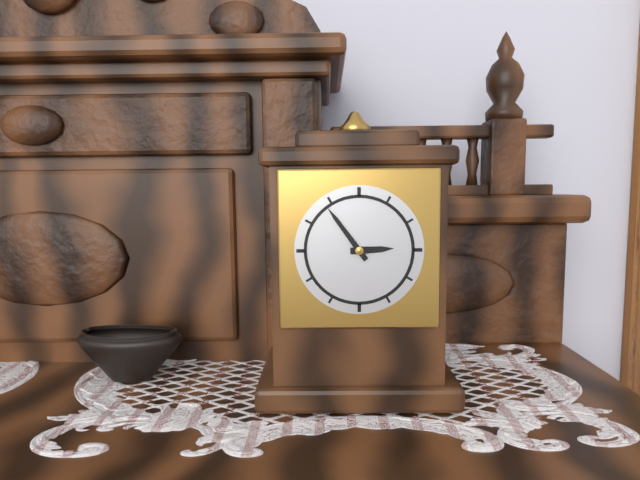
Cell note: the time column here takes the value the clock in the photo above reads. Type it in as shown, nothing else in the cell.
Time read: 2:54
